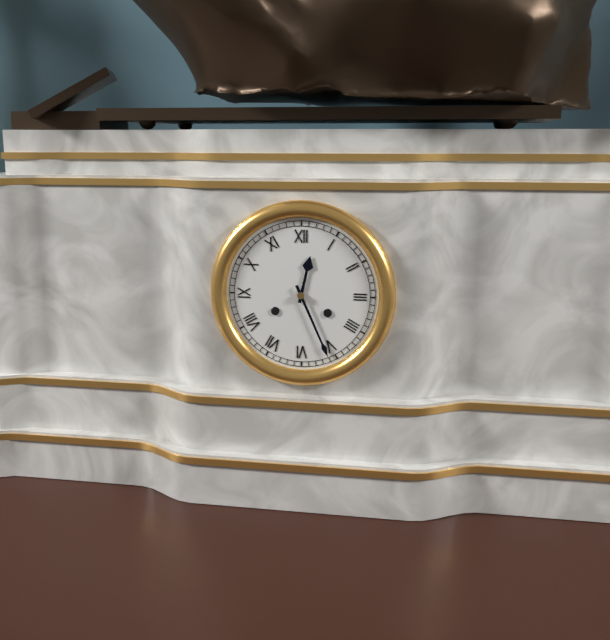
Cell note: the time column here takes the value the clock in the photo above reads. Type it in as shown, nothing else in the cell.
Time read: 12:26
